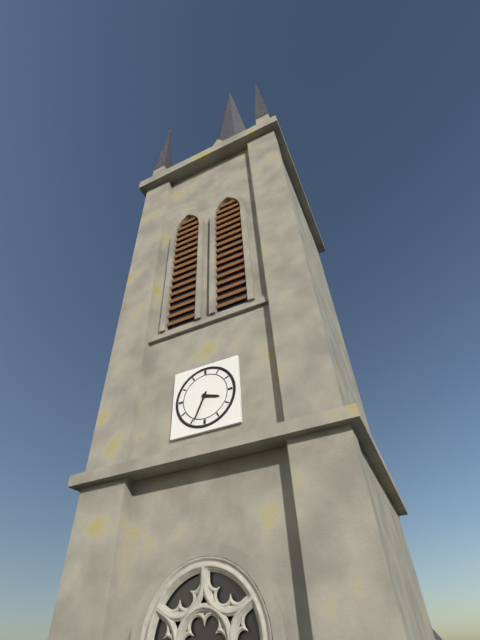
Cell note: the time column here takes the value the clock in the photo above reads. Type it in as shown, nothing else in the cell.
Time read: 3:34
